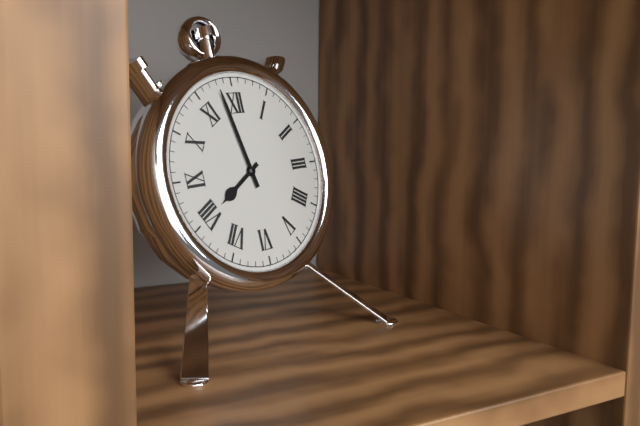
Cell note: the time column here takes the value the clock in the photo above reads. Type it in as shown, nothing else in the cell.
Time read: 7:58
